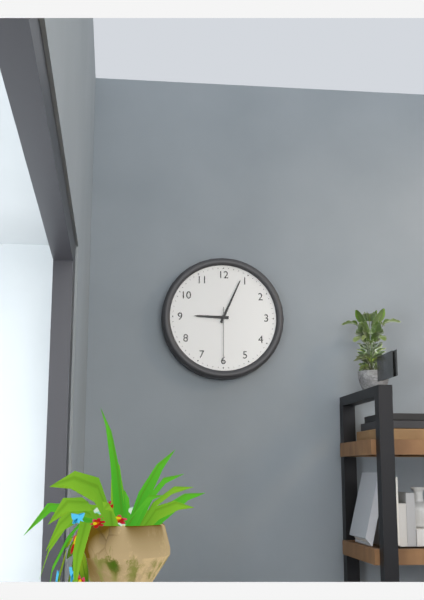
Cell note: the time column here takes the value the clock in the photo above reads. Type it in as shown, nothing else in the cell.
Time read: 9:04:30
